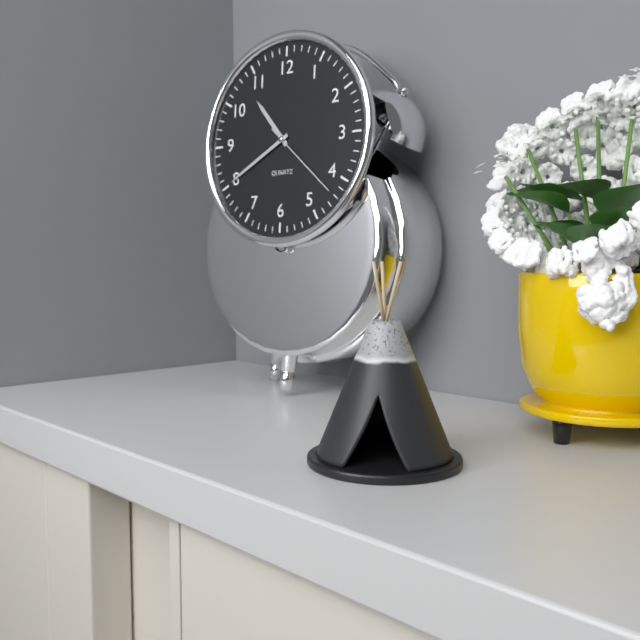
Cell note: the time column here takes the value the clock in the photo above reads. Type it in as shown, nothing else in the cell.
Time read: 10:40:22
